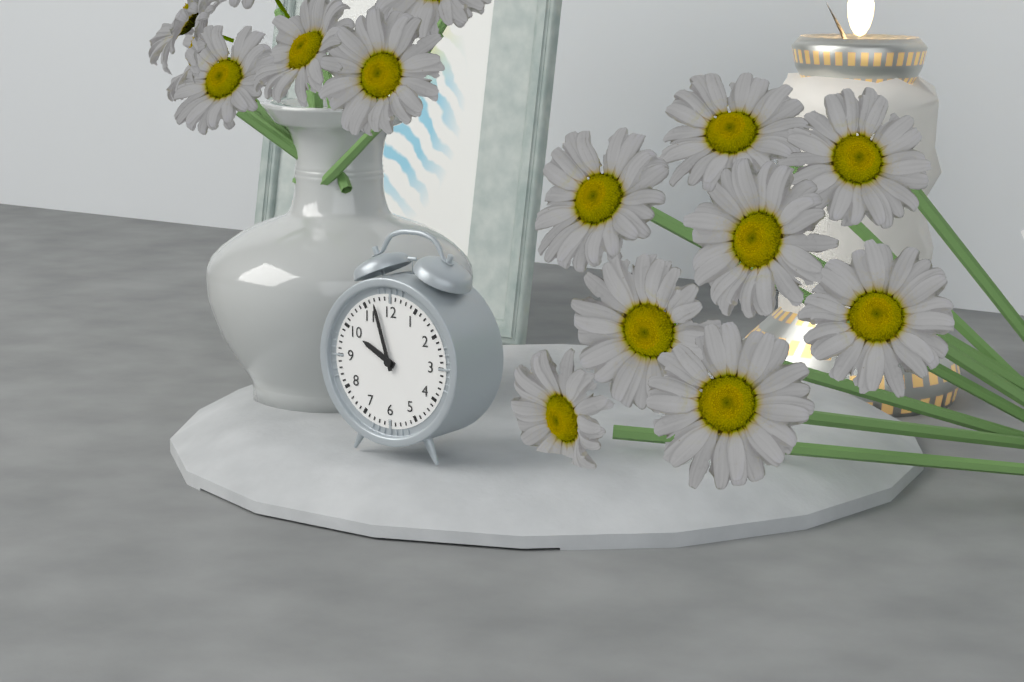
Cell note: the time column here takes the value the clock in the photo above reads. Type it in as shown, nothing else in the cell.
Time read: 9:57
